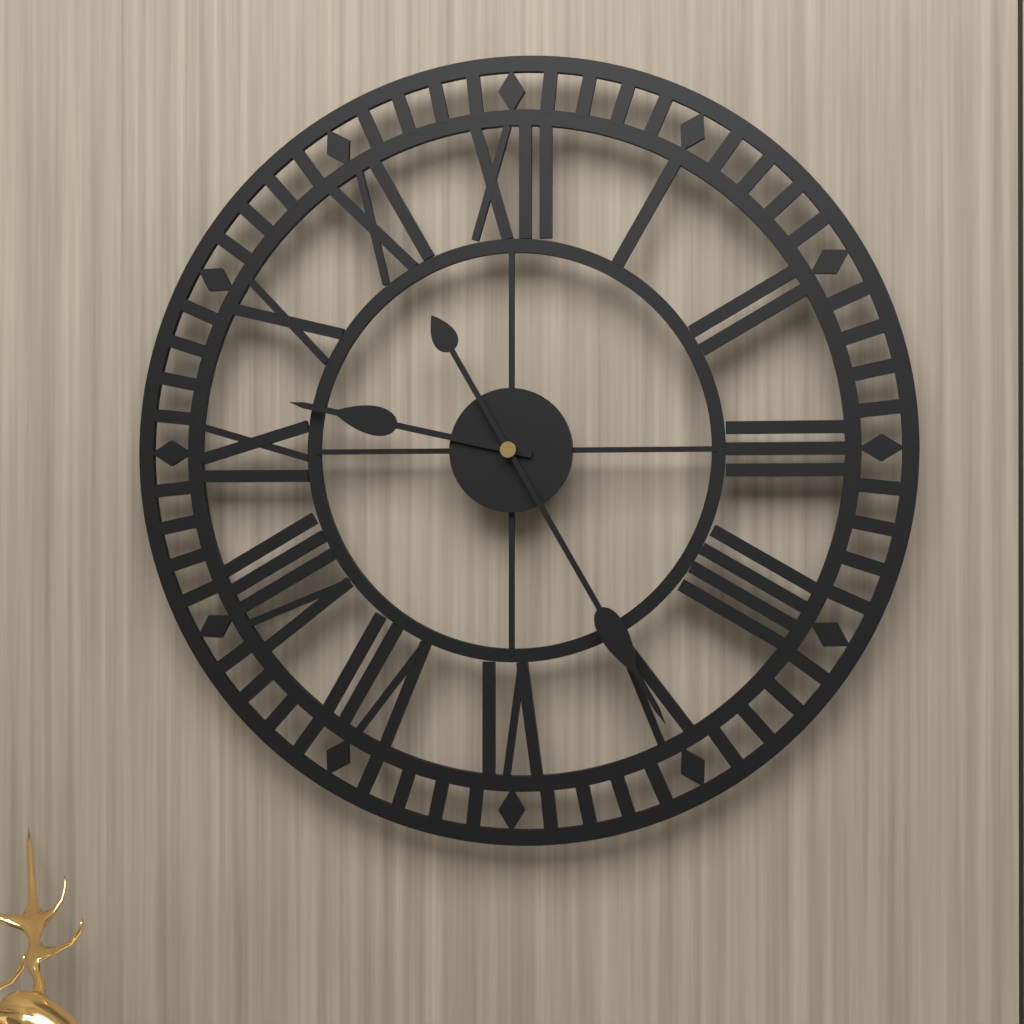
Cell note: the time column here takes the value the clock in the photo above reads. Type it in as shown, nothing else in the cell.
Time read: 9:25
